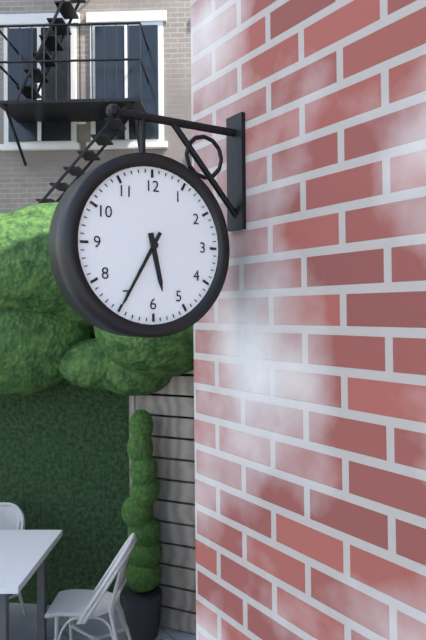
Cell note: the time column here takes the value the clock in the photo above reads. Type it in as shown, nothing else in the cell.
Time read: 5:35
